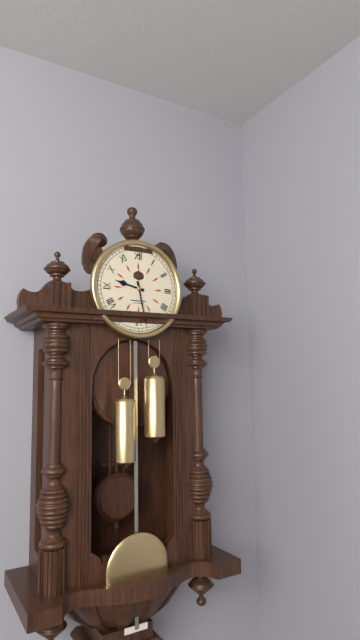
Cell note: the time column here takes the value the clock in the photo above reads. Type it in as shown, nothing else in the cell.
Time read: 9:28
